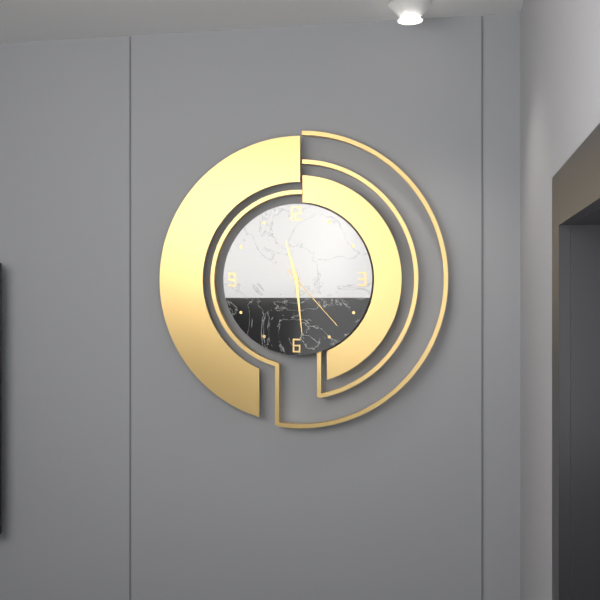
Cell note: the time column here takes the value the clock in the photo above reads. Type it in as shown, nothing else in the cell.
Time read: 11:29:23
